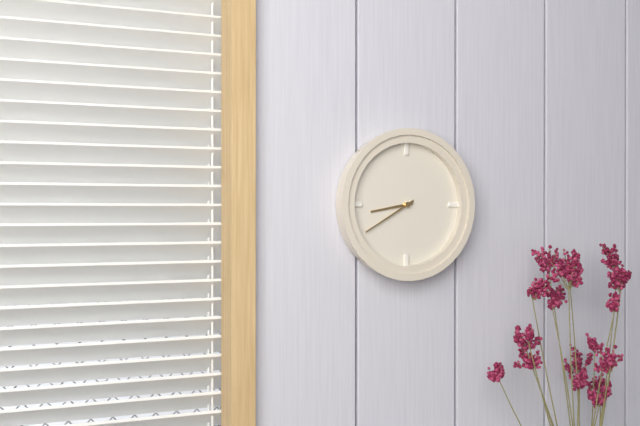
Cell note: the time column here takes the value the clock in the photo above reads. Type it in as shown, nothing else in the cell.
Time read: 8:40
